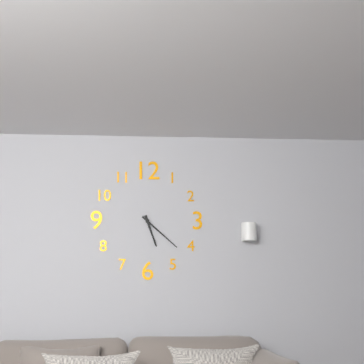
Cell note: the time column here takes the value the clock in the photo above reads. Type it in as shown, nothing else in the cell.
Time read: 5:22
